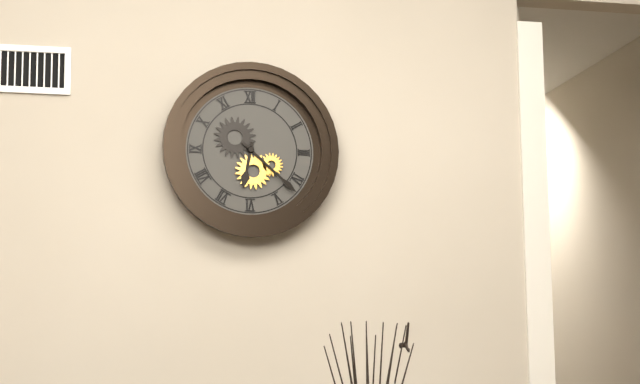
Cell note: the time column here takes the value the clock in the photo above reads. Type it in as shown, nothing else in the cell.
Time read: 6:22
